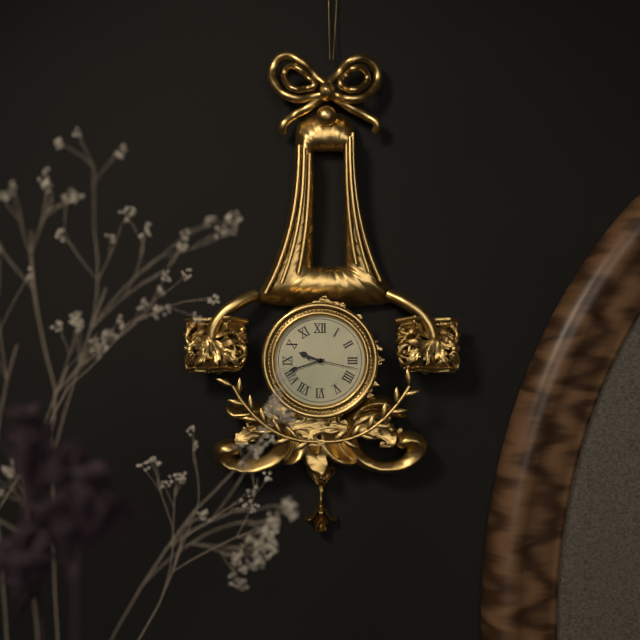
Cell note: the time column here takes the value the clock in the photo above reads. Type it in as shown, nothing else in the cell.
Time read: 9:42
